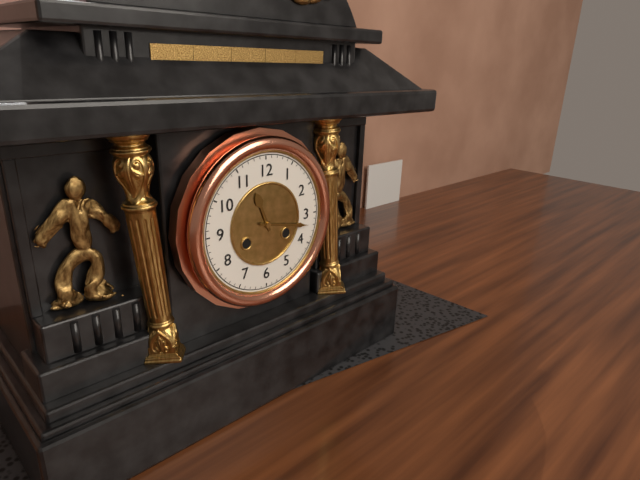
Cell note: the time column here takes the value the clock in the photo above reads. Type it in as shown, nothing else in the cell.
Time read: 11:17
